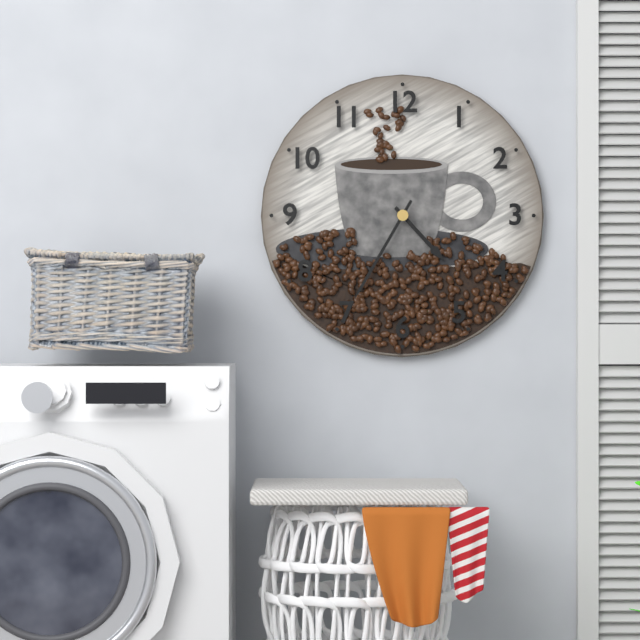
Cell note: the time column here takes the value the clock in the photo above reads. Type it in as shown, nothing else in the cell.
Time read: 4:35
